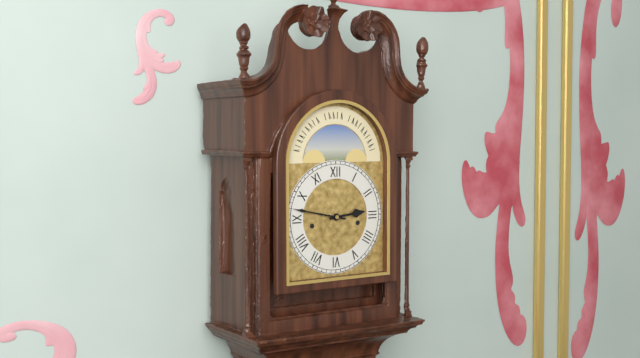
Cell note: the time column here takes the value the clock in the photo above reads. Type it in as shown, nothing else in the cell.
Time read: 2:47
